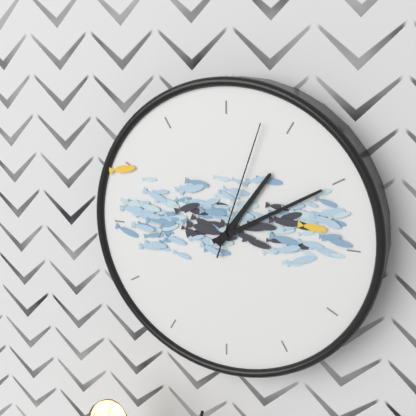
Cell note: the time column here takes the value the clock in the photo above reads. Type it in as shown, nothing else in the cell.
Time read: 1:10:03
